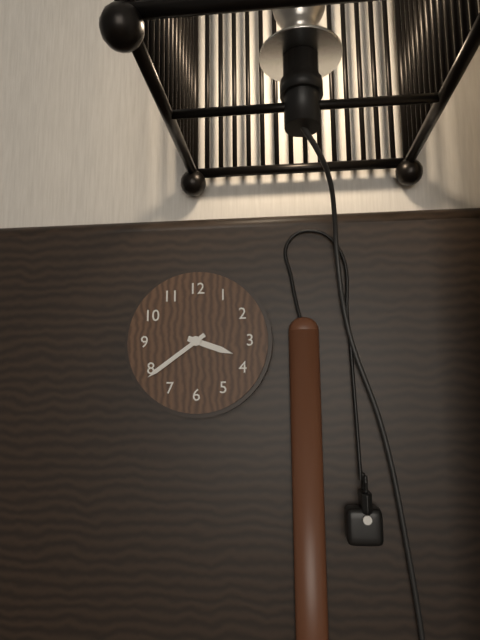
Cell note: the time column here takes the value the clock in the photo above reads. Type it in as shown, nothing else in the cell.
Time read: 3:39
